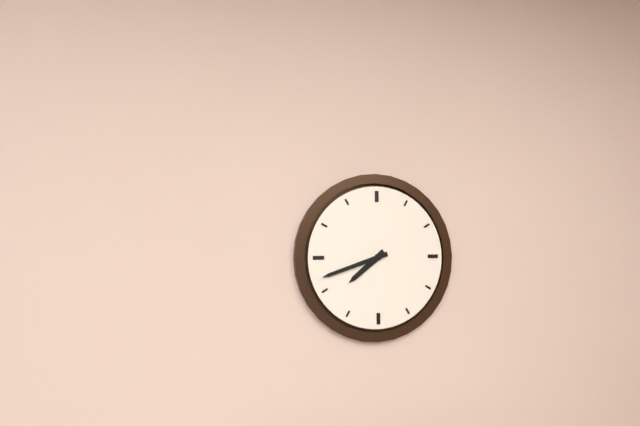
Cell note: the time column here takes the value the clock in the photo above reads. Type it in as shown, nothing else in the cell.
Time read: 7:42
